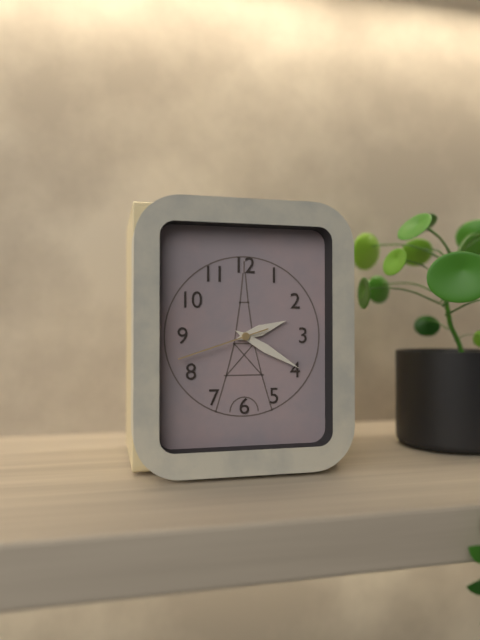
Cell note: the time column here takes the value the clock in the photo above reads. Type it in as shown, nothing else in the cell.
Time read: 2:20:42
